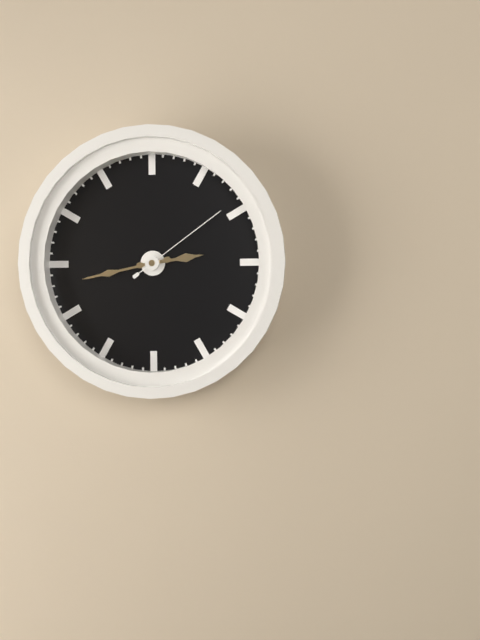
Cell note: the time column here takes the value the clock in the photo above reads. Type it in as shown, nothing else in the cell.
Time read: 2:43:09
